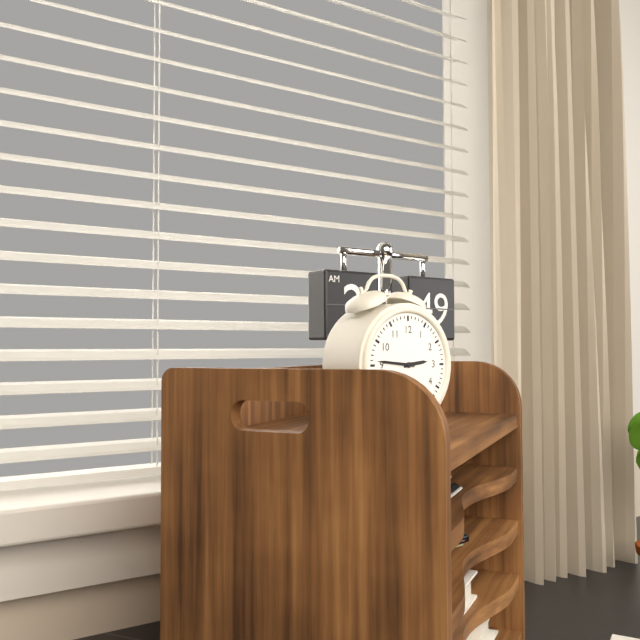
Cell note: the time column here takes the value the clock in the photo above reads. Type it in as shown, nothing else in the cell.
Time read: 2:46
